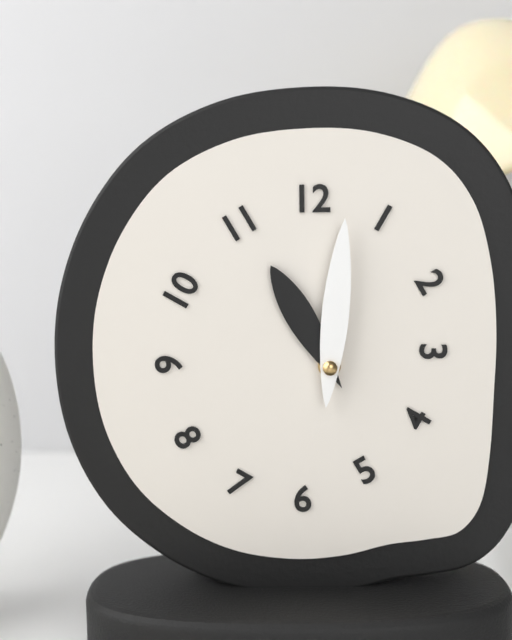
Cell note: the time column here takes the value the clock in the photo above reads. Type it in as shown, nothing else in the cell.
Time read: 11:01
